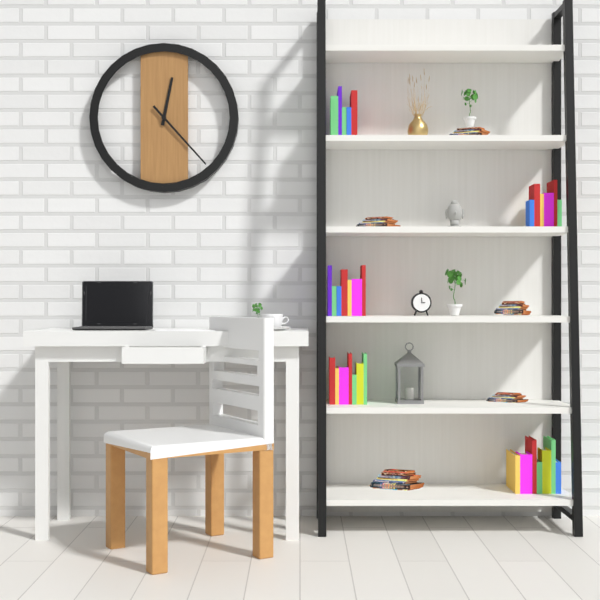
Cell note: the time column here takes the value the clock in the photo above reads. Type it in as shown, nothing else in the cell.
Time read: 12:23
